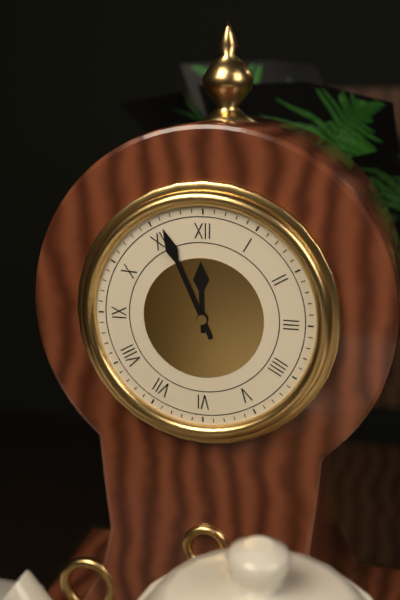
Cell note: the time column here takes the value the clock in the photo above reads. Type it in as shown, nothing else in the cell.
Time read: 11:56
